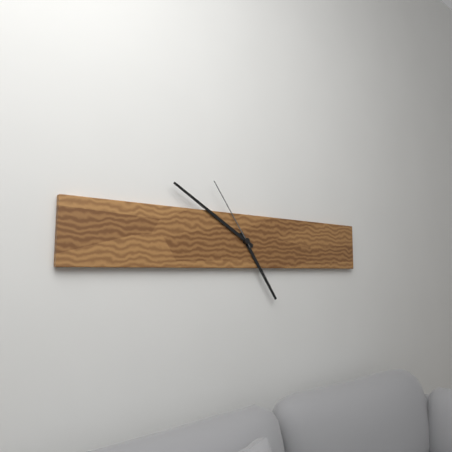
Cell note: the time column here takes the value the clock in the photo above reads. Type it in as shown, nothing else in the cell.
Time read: 4:50:54
